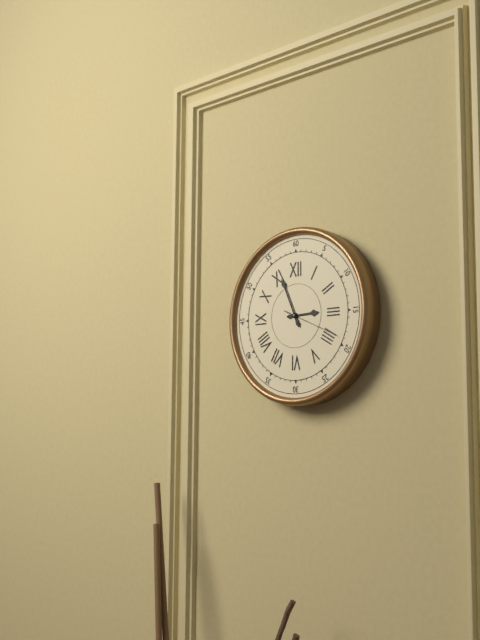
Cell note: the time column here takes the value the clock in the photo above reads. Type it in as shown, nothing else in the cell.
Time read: 2:56:19
